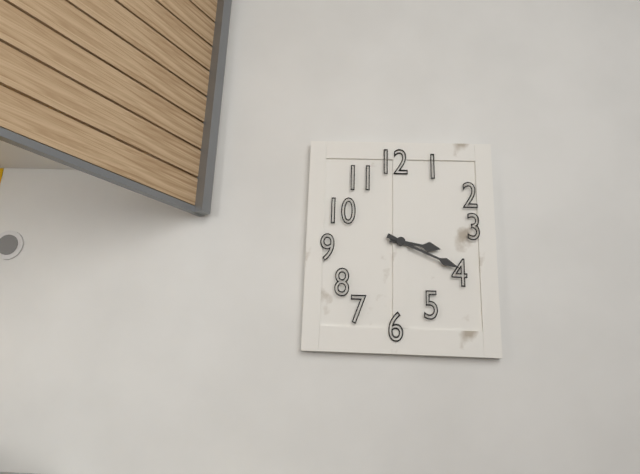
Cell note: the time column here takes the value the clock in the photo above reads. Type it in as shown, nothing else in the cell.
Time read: 3:19
